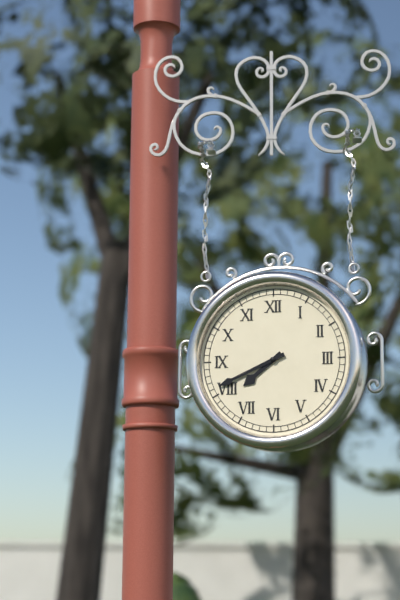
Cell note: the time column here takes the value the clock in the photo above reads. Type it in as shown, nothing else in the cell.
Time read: 7:41
